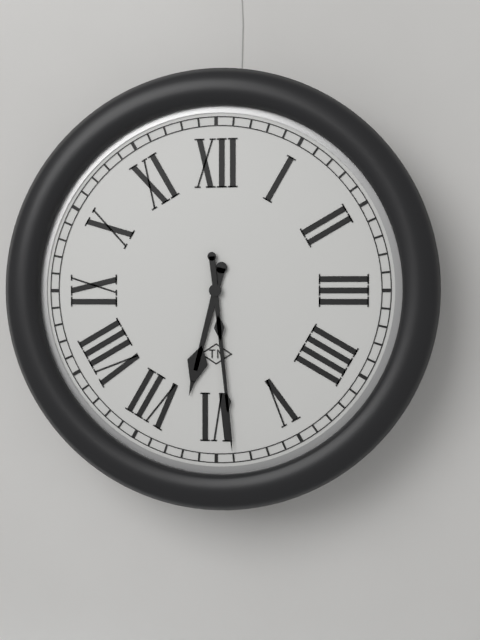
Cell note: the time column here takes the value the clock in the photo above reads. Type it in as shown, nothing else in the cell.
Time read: 6:29
